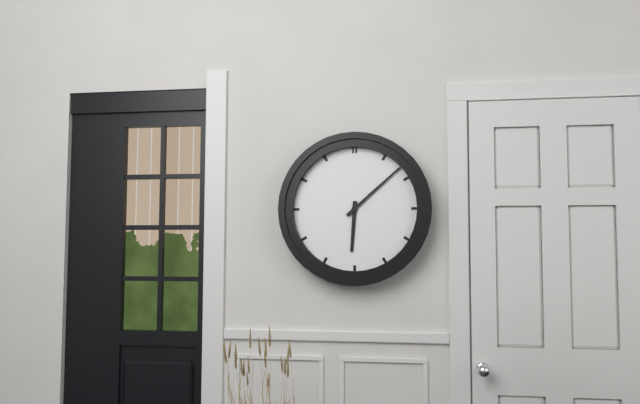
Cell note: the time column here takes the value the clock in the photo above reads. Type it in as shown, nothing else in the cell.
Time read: 6:08
